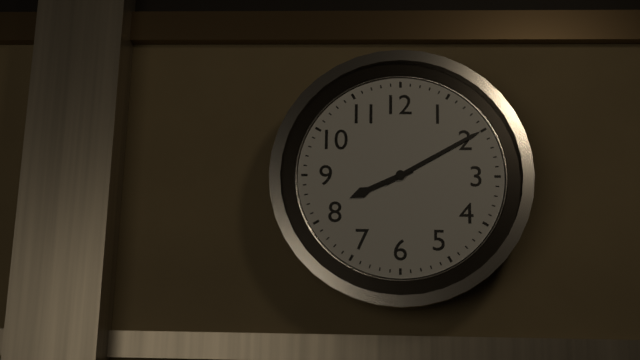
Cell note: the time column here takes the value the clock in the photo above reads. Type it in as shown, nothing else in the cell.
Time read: 8:10
